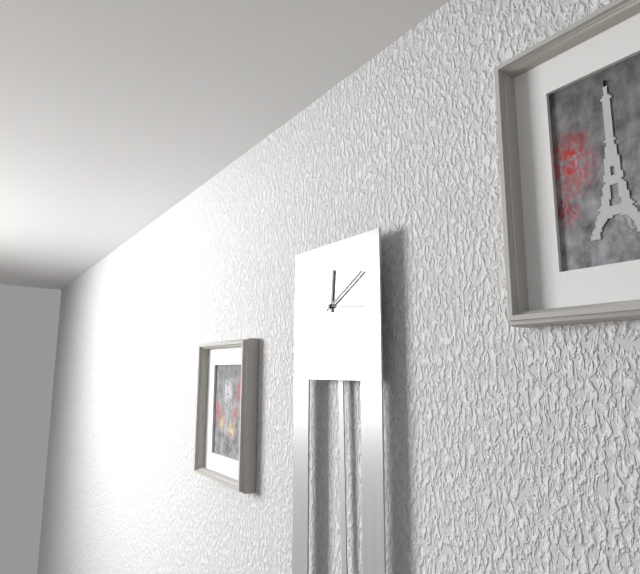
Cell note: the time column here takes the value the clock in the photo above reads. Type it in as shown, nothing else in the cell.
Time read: 12:10
